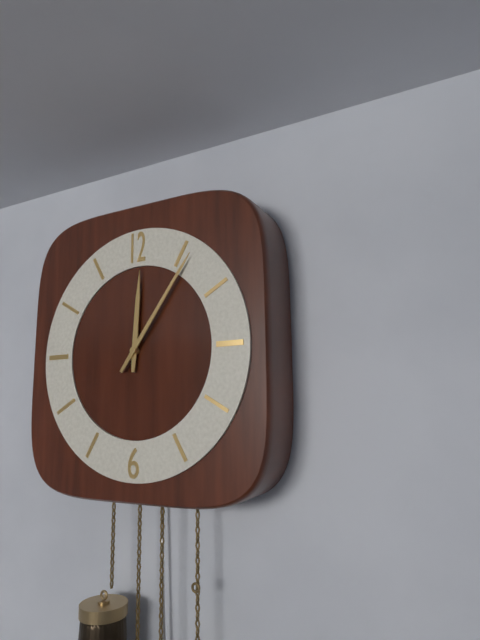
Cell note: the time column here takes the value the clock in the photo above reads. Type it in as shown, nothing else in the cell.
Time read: 12:06
